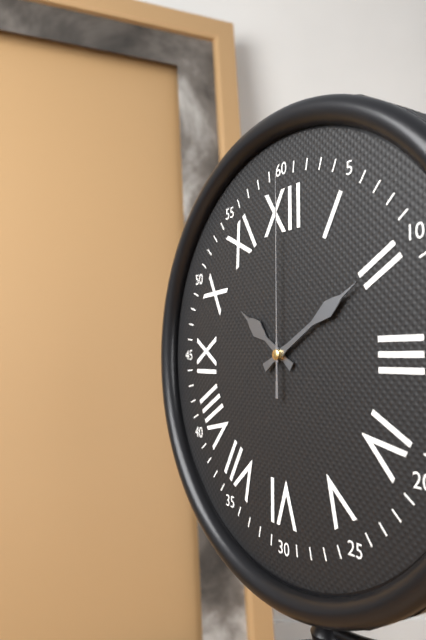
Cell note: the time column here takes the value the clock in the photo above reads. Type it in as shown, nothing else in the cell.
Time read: 10:10:00
